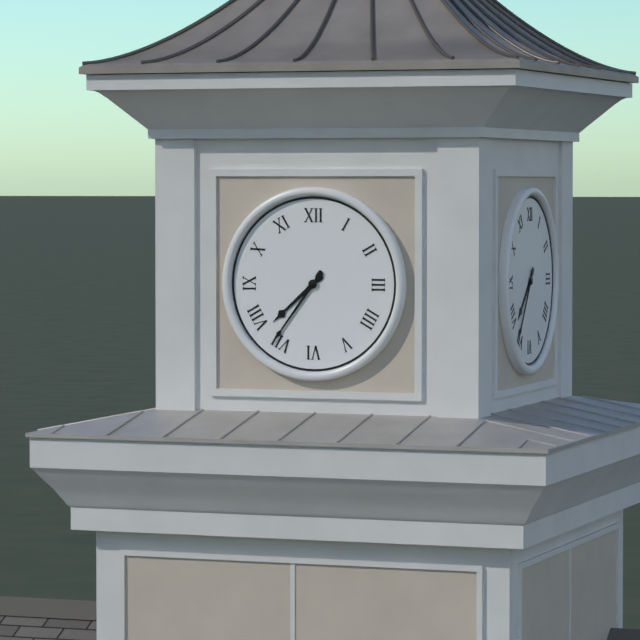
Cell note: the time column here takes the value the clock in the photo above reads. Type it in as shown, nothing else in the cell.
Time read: 7:36
